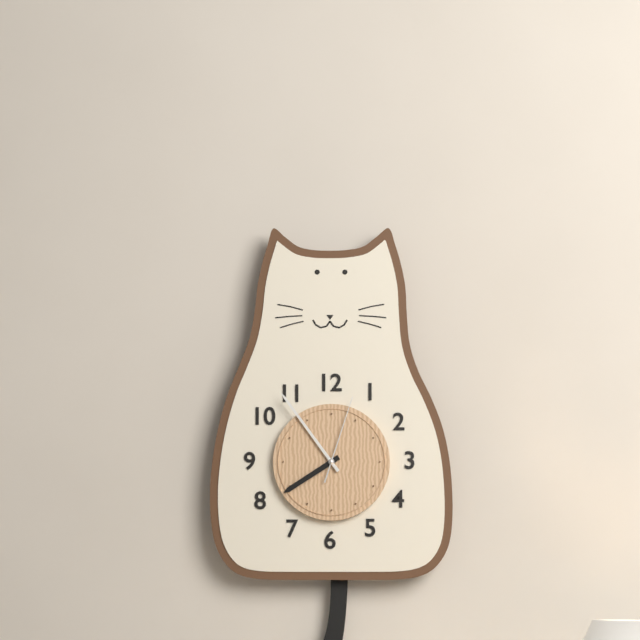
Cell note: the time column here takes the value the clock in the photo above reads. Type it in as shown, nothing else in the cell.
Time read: 7:54:03
